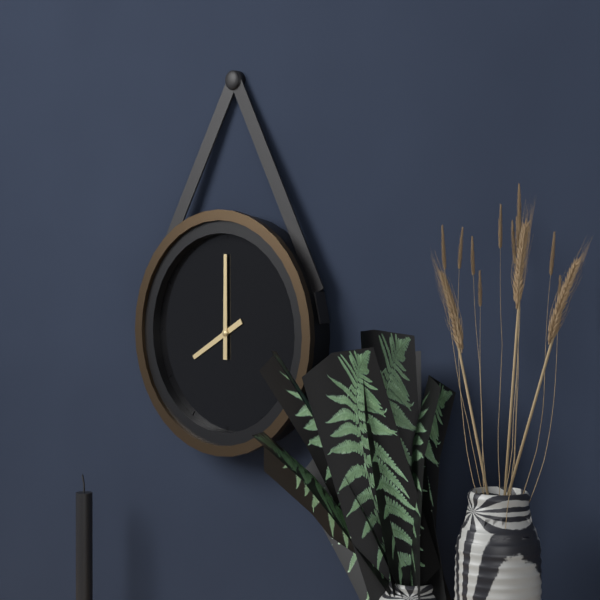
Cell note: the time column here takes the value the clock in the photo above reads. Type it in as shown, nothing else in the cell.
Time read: 8:00
